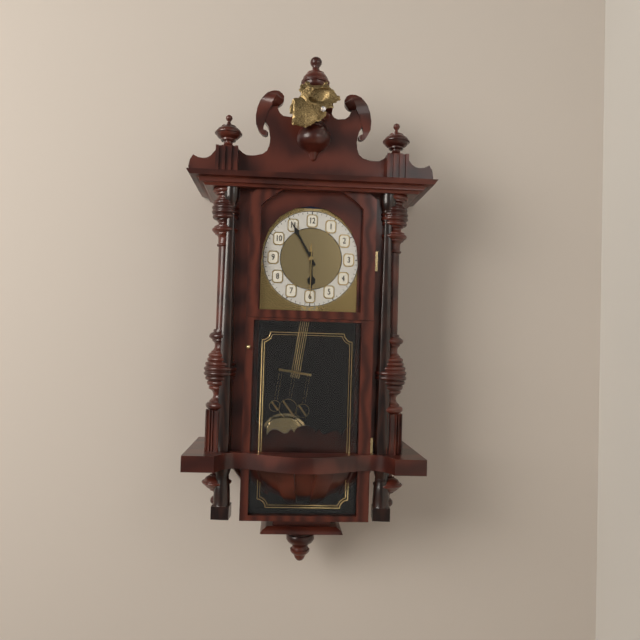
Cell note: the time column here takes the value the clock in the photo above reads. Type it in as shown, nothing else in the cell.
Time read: 5:55:30
